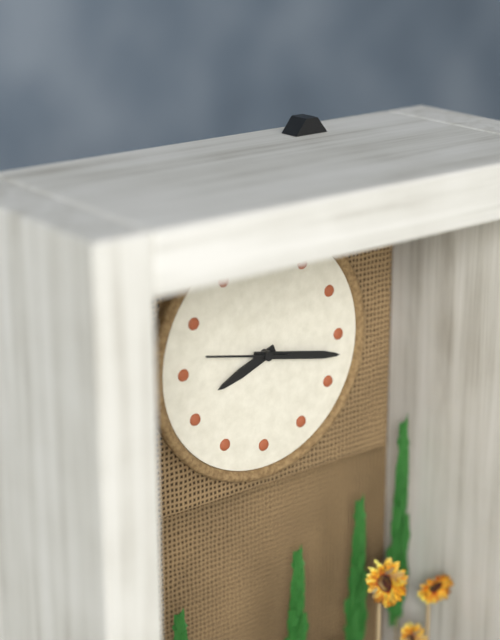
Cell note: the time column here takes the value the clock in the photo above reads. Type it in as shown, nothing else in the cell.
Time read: 8:17:47
